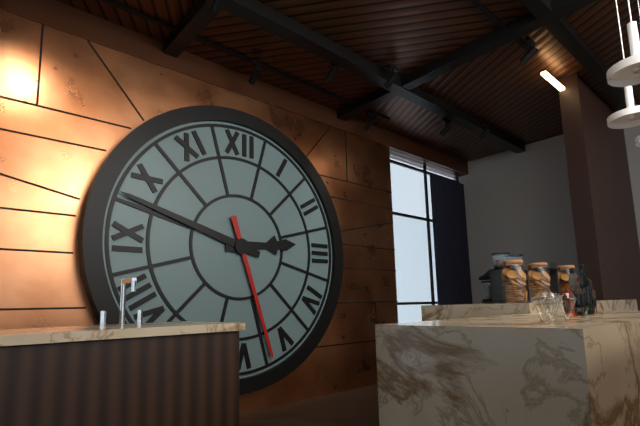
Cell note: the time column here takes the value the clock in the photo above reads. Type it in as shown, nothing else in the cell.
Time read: 2:48:27
